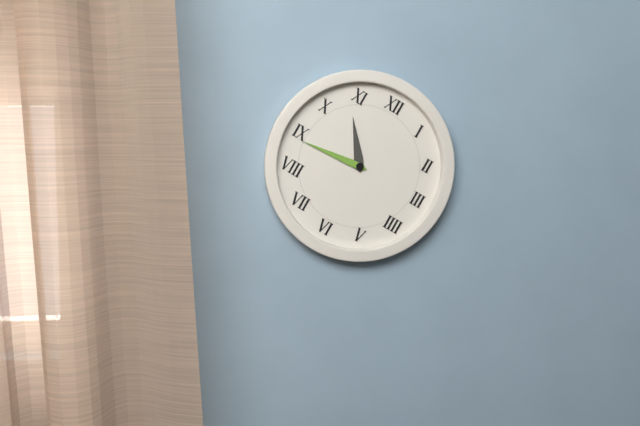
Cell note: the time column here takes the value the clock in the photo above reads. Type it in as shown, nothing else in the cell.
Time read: 10:44
